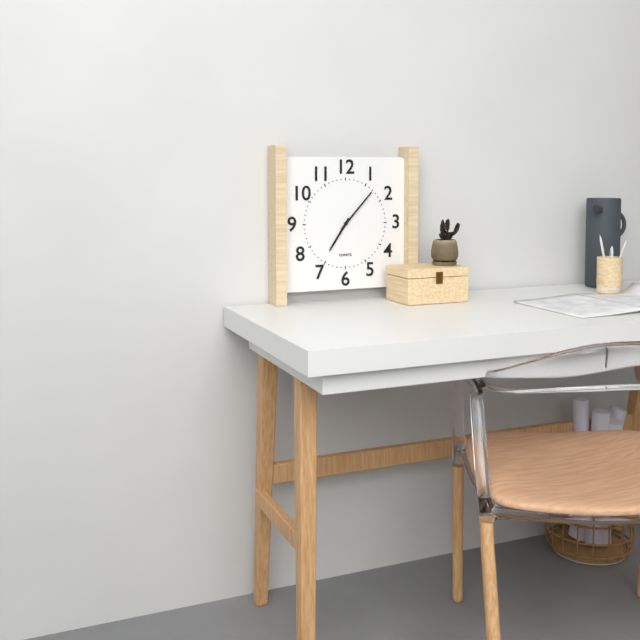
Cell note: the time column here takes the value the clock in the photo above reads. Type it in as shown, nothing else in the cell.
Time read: 7:07
